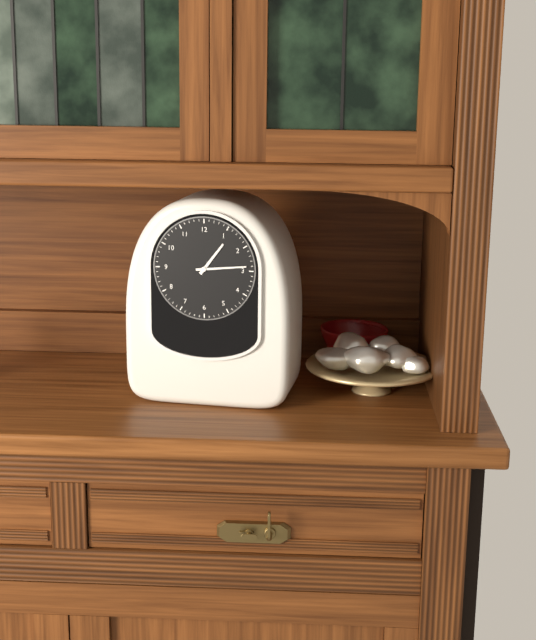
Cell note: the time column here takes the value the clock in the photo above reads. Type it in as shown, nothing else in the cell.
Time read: 1:14
